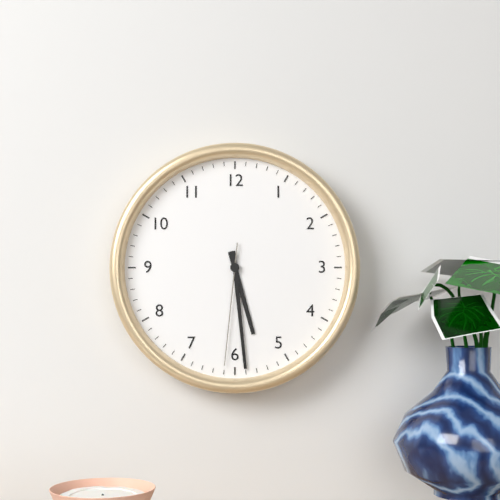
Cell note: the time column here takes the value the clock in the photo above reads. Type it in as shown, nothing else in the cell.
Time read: 5:29:31
